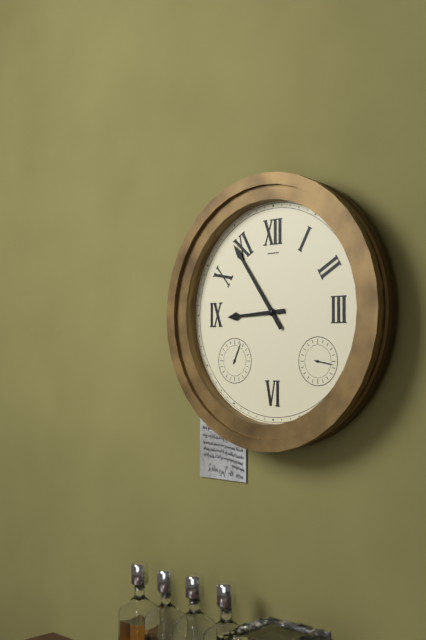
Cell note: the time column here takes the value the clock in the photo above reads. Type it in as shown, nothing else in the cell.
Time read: 8:54
